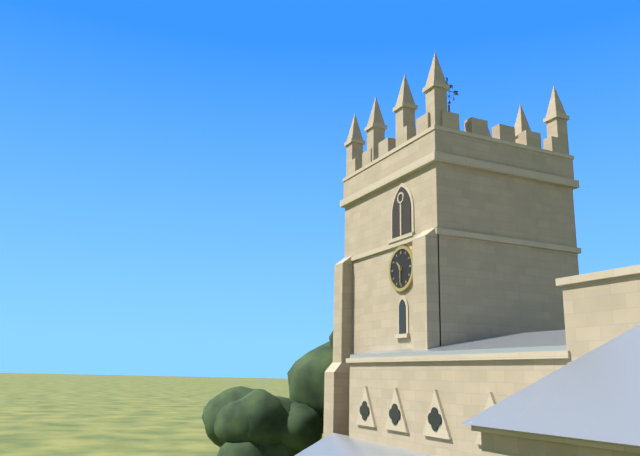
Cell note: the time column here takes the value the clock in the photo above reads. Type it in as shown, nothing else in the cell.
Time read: 10:30
